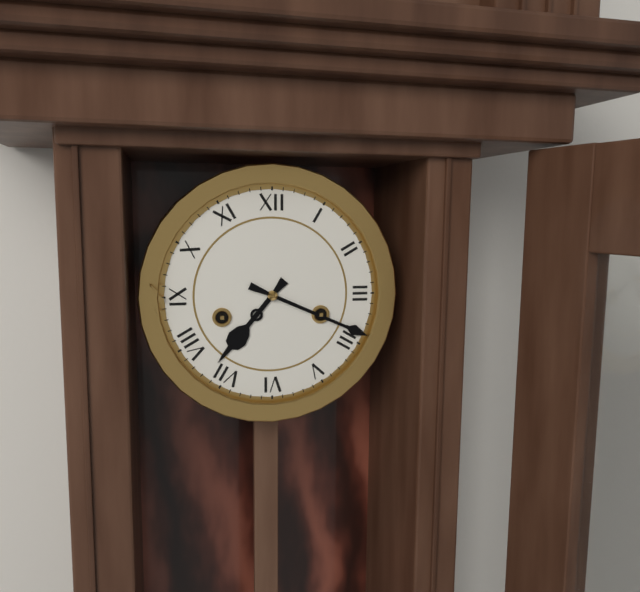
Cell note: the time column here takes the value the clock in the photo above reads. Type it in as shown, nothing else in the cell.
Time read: 7:19
